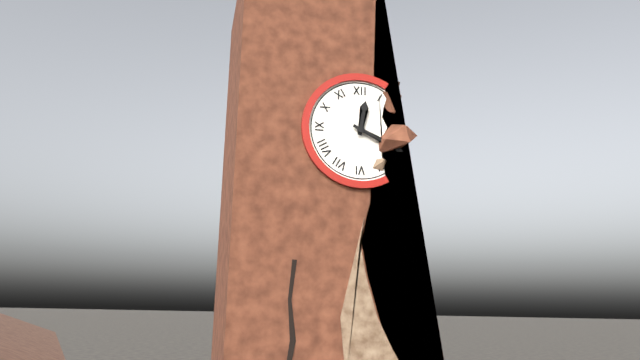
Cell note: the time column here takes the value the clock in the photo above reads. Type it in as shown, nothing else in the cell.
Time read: 12:19
